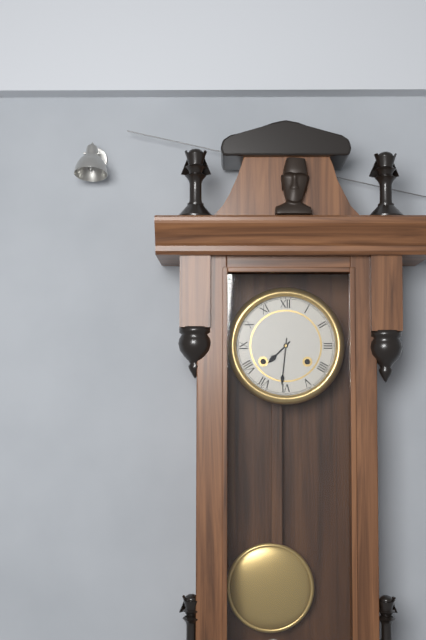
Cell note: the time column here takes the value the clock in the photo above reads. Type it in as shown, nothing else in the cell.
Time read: 7:31
